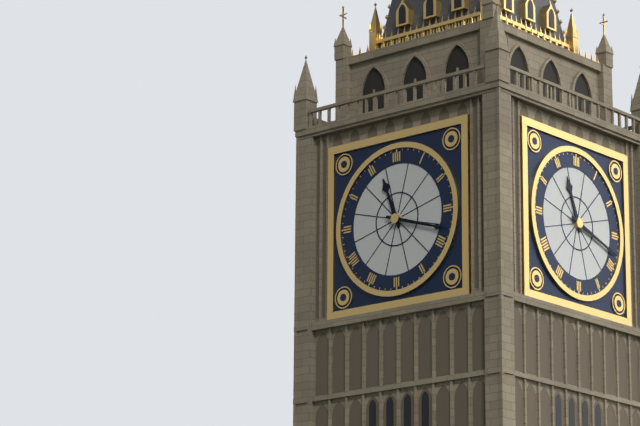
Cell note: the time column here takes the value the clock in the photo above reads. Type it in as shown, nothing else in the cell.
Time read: 11:18
